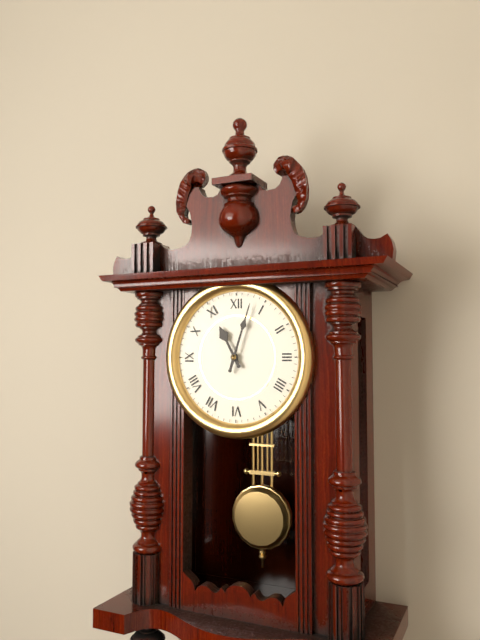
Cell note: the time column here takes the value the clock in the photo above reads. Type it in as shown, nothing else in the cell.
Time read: 11:03
